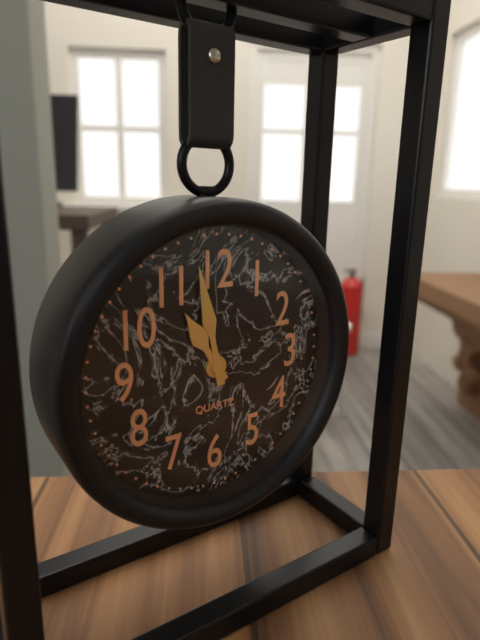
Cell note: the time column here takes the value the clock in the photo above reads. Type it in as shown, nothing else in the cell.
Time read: 10:58
